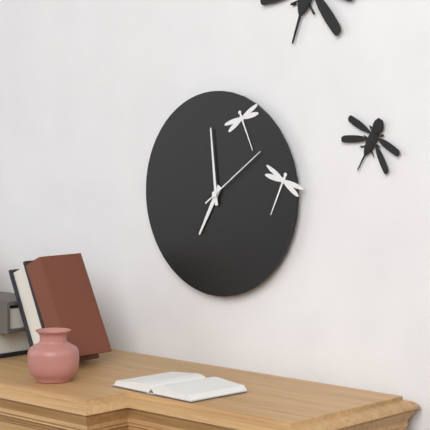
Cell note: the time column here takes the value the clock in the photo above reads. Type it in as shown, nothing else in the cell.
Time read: 6:59:09
